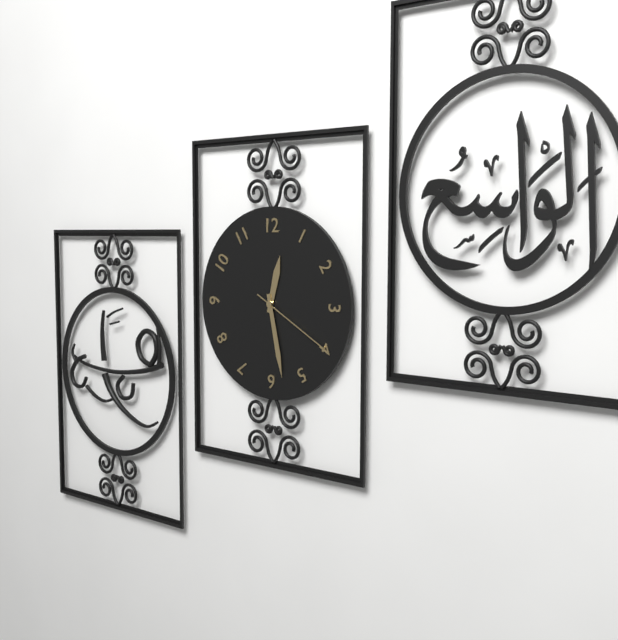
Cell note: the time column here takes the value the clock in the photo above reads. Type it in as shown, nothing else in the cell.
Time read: 12:28:20
